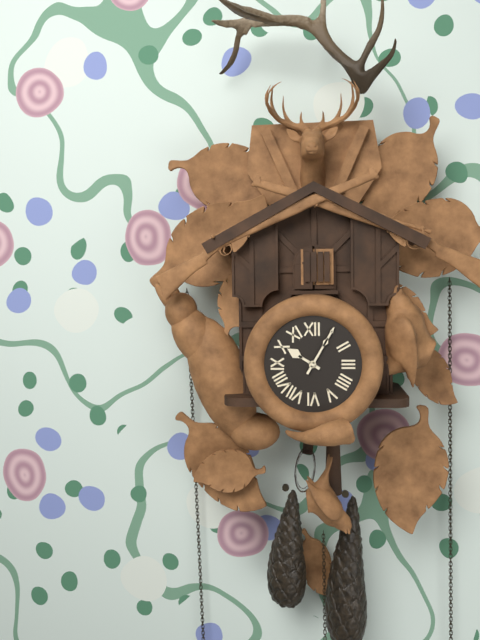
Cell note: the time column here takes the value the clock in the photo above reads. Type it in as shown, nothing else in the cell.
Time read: 10:05
